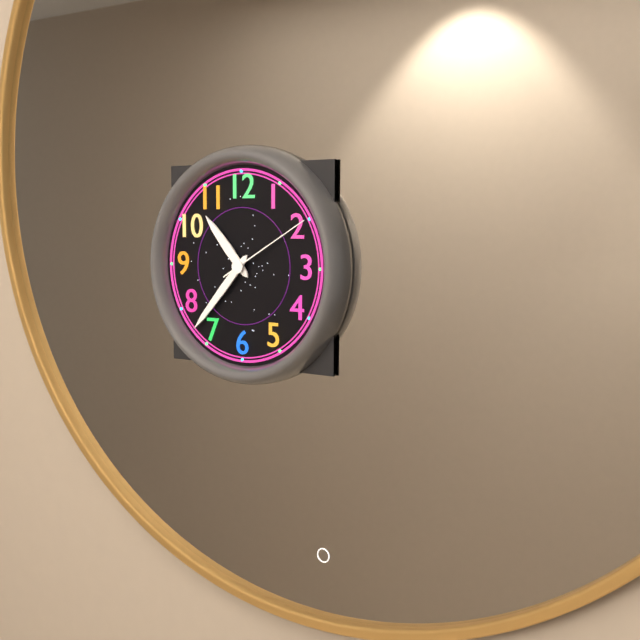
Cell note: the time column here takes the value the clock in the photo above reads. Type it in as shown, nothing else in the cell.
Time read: 10:37:10
